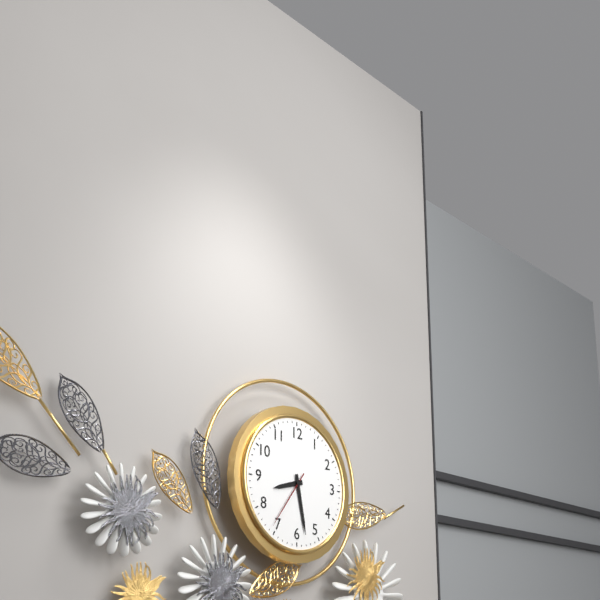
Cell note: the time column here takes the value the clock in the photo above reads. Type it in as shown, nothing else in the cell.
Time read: 8:28:36
